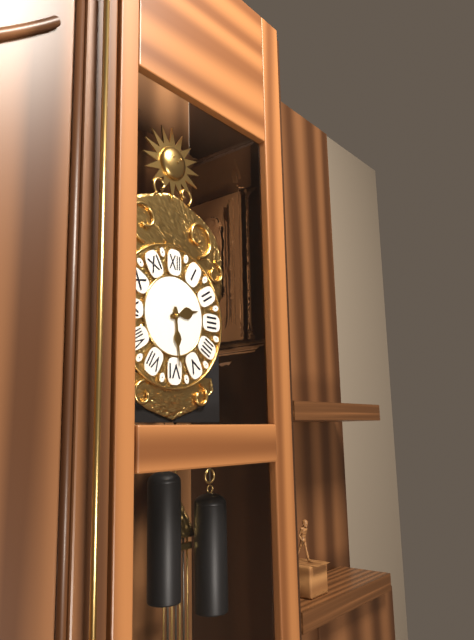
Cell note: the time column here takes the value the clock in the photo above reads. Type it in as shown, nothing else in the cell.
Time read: 2:29
